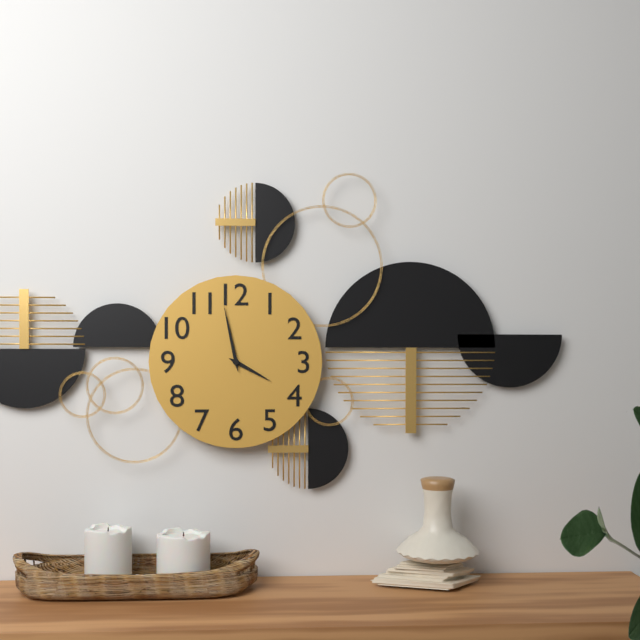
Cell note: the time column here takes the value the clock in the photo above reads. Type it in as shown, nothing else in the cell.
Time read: 3:58
